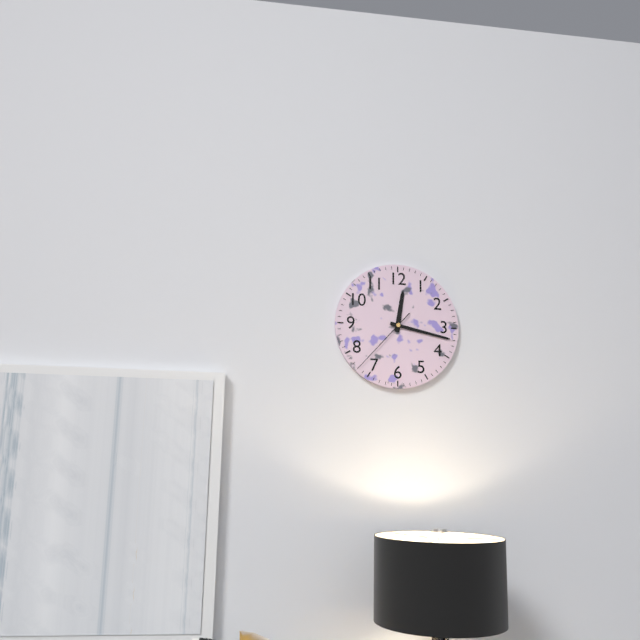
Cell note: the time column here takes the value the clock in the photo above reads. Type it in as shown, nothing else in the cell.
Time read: 12:17:37
